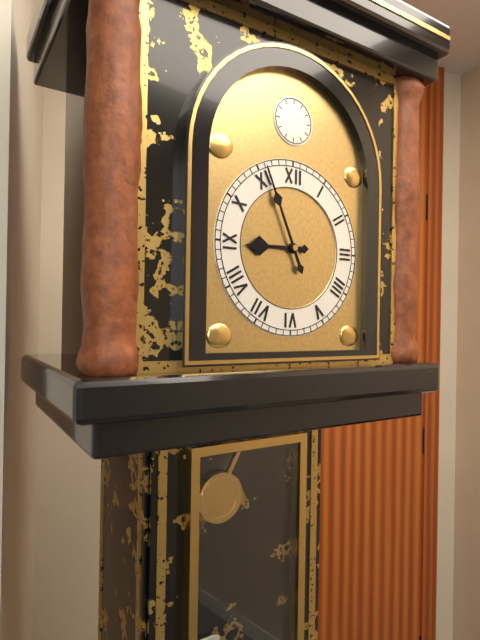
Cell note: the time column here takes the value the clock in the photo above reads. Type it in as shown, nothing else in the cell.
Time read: 8:56
